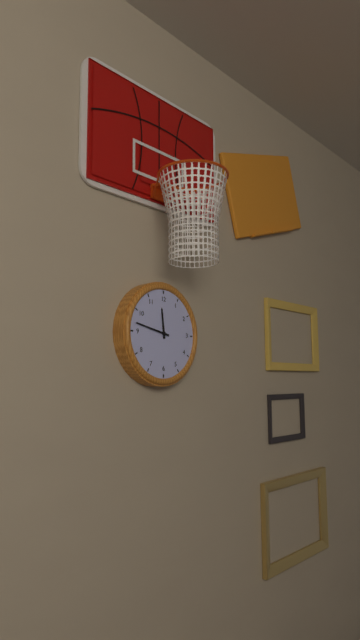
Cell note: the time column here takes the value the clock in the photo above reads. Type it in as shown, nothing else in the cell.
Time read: 11:47
